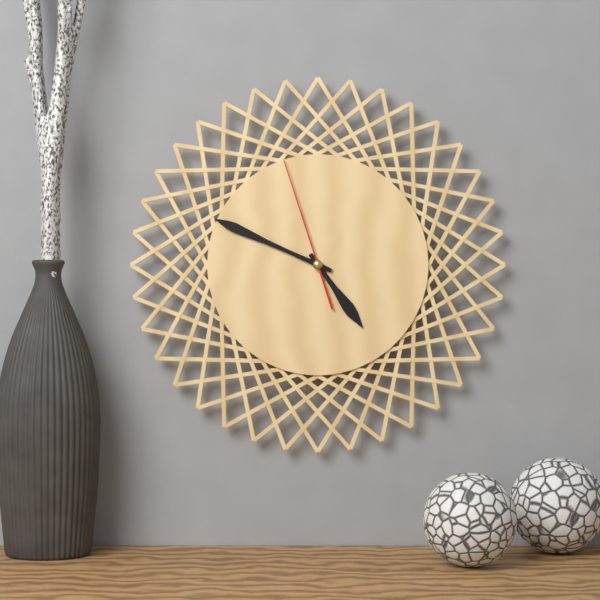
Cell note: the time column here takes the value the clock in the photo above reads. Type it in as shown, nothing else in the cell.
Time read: 4:49:57
